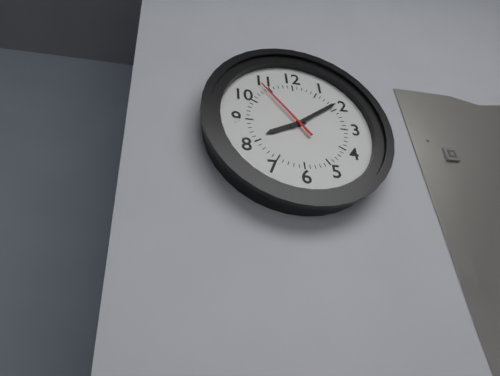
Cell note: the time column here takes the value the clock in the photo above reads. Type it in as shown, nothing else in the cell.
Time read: 8:09:54
